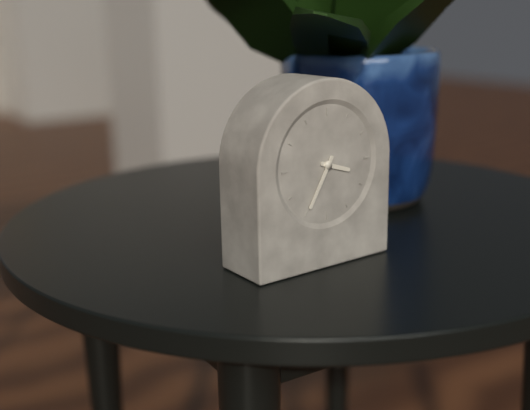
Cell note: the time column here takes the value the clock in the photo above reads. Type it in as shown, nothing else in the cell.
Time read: 3:35
